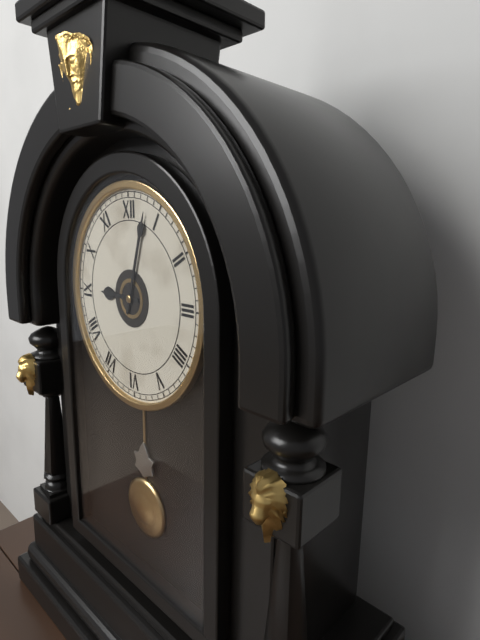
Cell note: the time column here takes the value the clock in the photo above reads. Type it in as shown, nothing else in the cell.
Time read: 9:03
